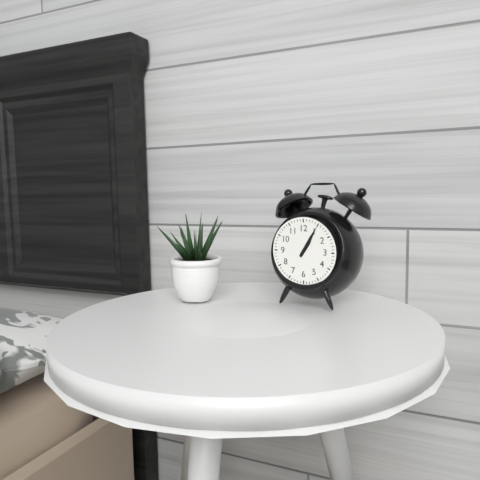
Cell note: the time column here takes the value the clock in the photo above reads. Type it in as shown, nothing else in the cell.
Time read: 1:05
